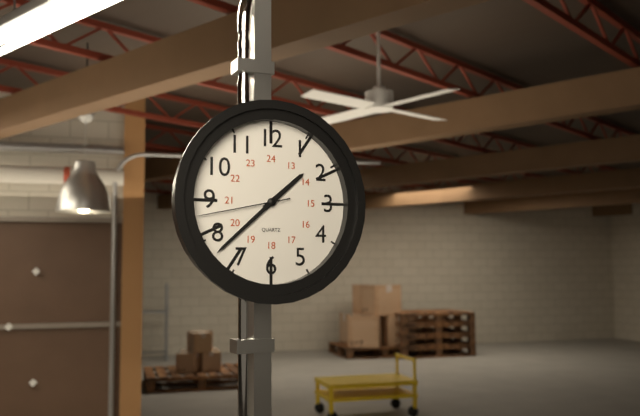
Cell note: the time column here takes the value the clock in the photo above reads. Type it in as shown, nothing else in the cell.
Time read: 1:38:43
